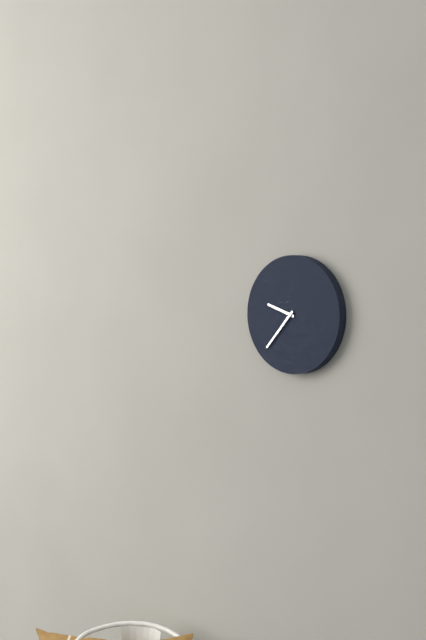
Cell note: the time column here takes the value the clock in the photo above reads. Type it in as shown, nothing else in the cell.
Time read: 9:37
